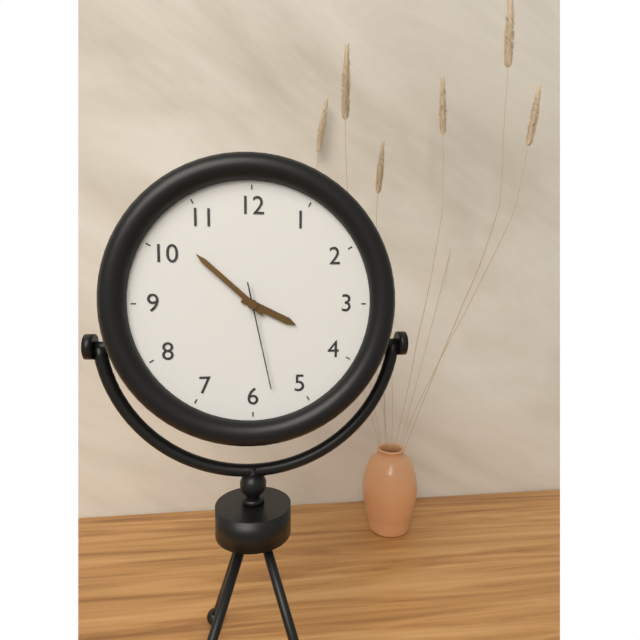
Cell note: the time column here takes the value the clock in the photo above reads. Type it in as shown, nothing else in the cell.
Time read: 3:52:28
